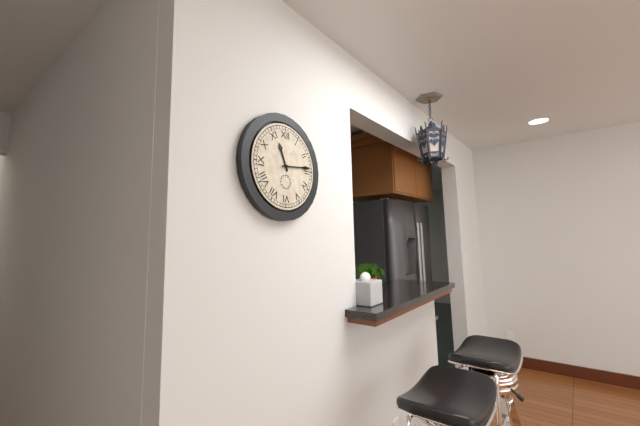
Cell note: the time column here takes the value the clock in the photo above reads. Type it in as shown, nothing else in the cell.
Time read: 11:14
